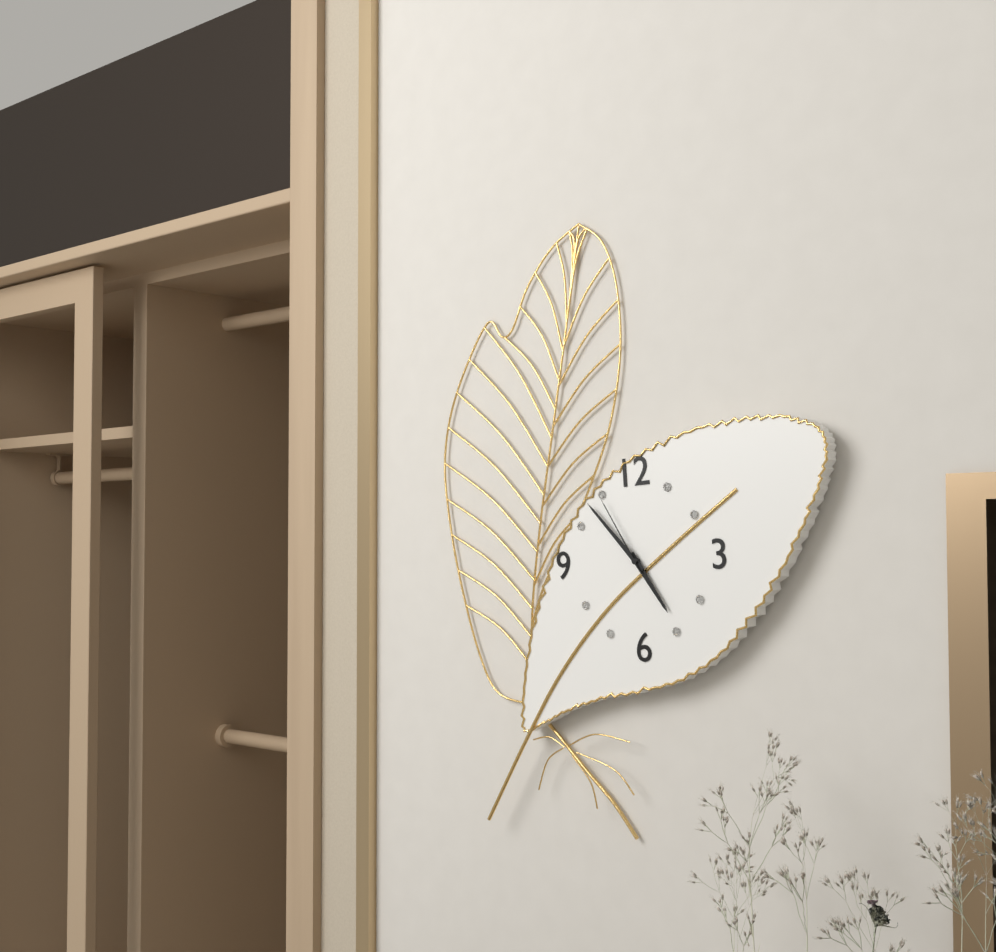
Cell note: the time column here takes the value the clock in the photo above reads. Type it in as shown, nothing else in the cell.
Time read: 4:53:55
